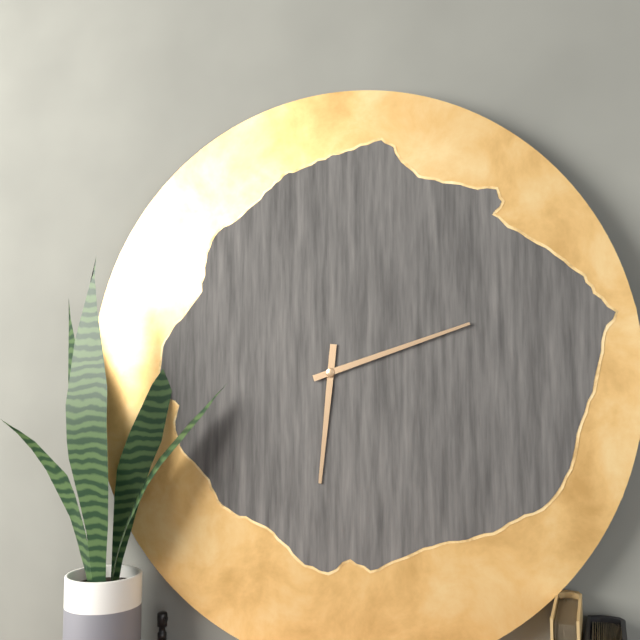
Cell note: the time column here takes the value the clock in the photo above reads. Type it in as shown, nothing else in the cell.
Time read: 6:12
